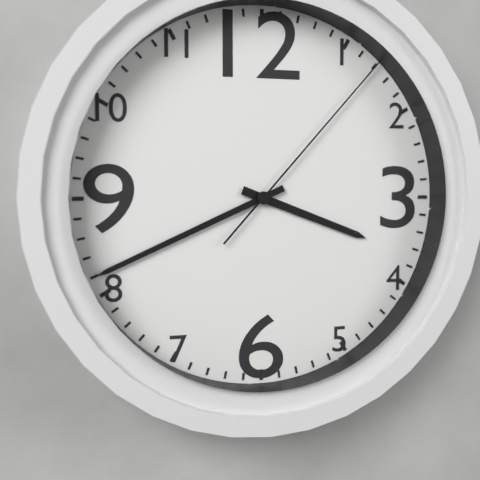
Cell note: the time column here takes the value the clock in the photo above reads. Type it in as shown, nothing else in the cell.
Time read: 3:41:07
